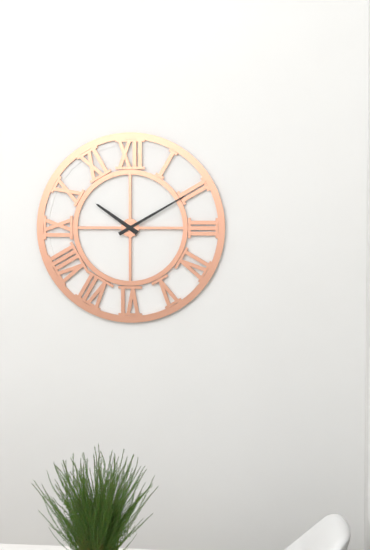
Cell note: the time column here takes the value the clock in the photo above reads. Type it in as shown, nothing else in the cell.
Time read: 10:10
